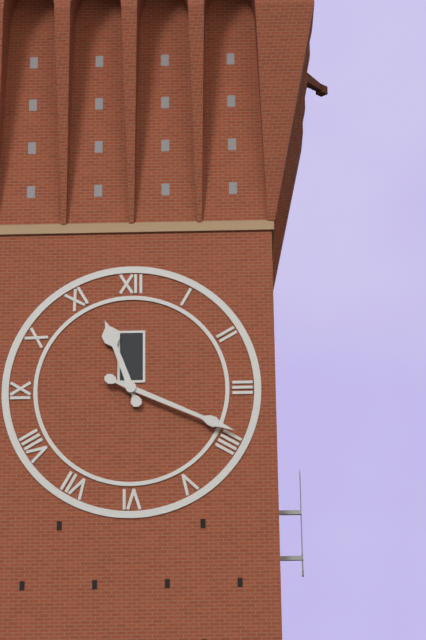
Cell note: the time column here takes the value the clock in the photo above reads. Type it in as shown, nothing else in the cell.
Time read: 11:19
